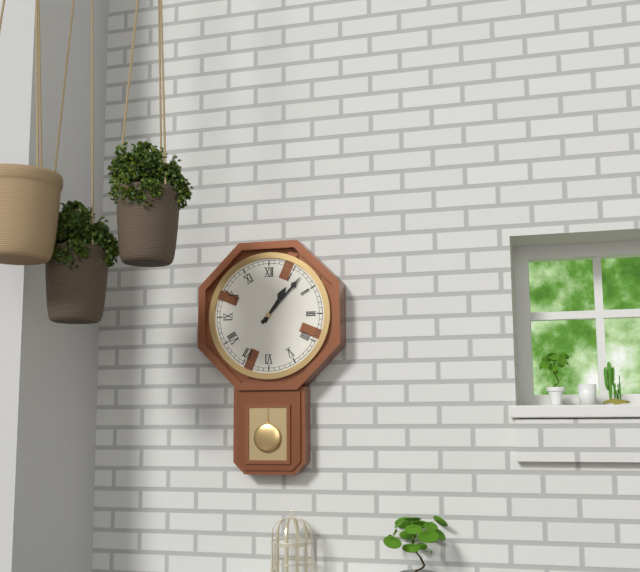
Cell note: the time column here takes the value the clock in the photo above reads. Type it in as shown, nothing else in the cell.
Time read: 1:07
